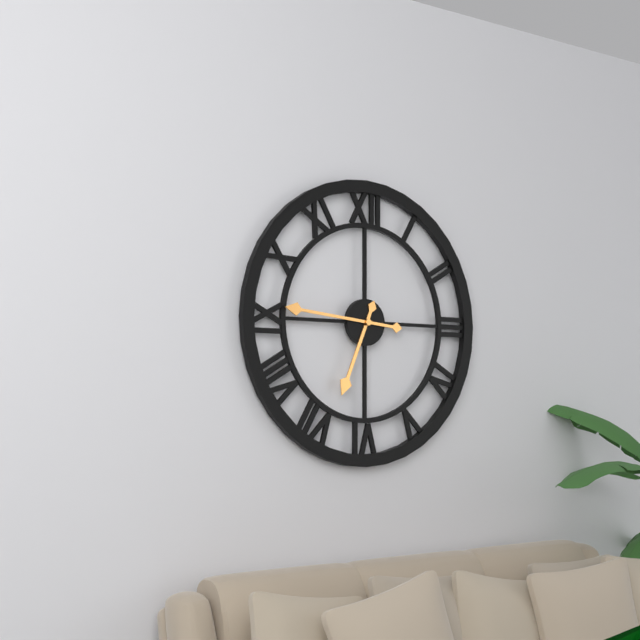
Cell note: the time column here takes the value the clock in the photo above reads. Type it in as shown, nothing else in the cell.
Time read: 6:46
